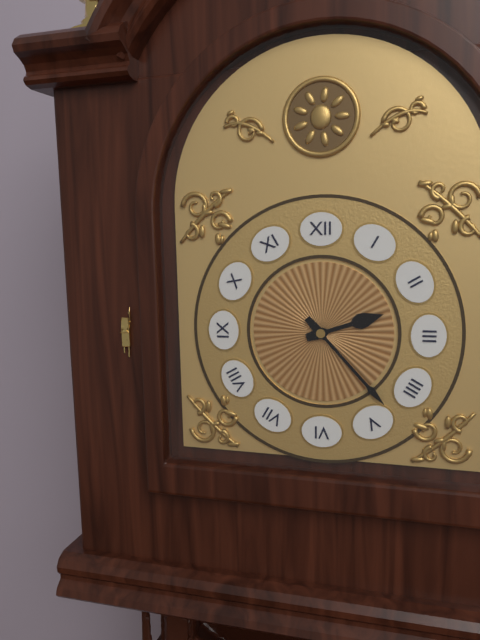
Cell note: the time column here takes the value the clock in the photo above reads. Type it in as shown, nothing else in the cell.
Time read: 2:23
